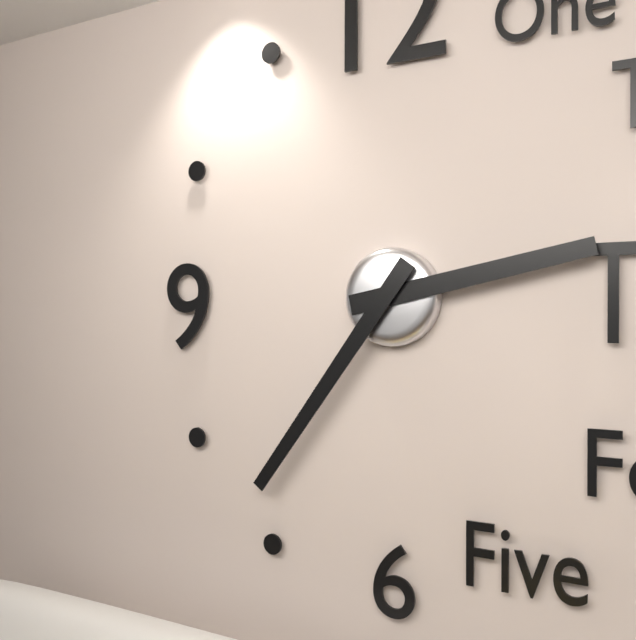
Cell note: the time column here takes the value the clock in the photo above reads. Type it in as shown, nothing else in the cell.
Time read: 2:36
